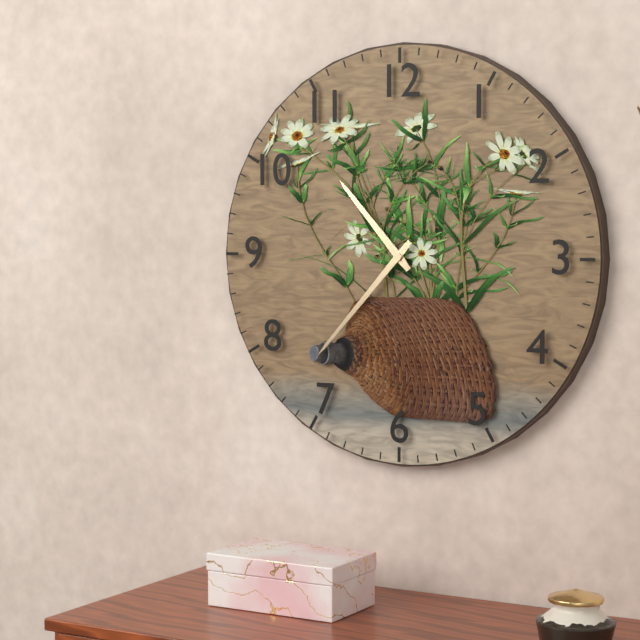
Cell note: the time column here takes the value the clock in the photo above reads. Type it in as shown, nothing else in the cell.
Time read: 10:37
